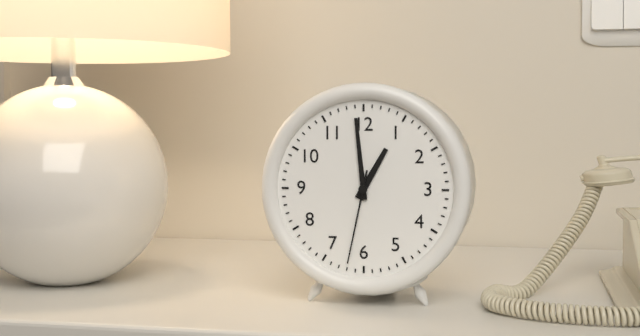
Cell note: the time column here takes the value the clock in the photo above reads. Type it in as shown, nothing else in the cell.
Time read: 12:59:32
